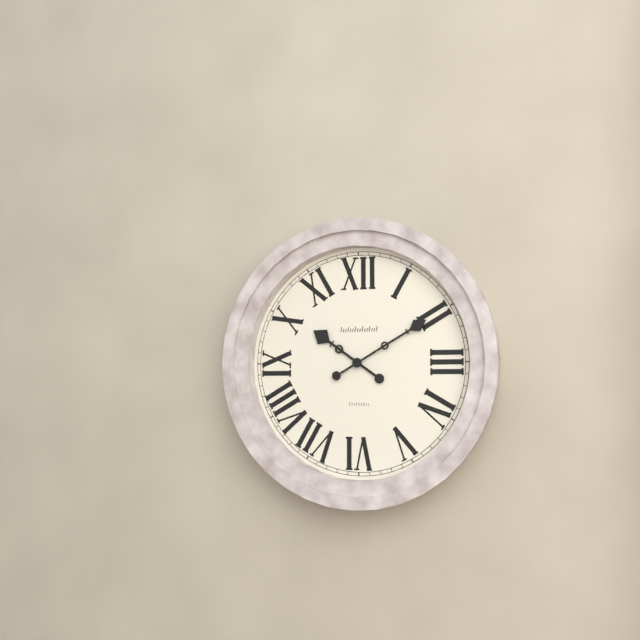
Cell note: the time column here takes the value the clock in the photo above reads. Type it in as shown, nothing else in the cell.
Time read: 10:10
